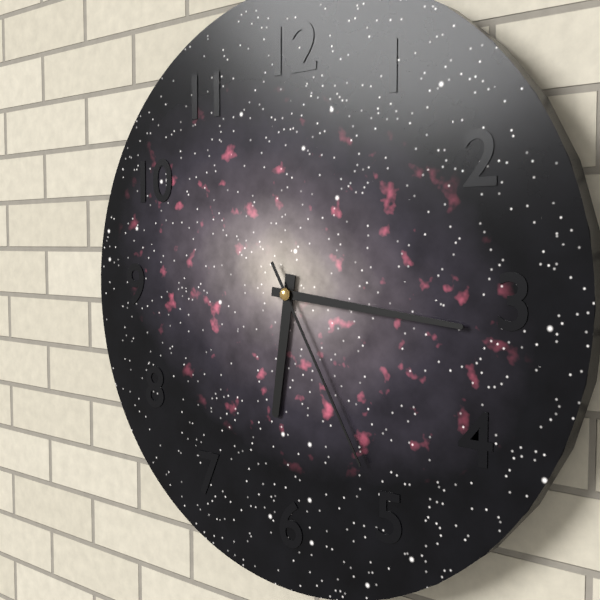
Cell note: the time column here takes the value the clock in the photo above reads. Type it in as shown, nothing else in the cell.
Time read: 6:16:25
